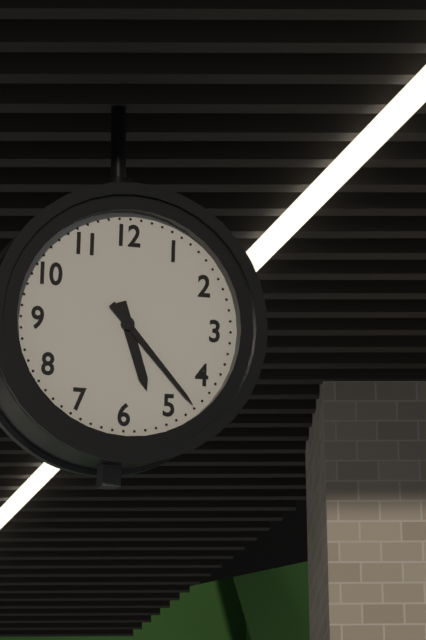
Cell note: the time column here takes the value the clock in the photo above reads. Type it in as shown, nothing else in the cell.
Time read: 5:23
